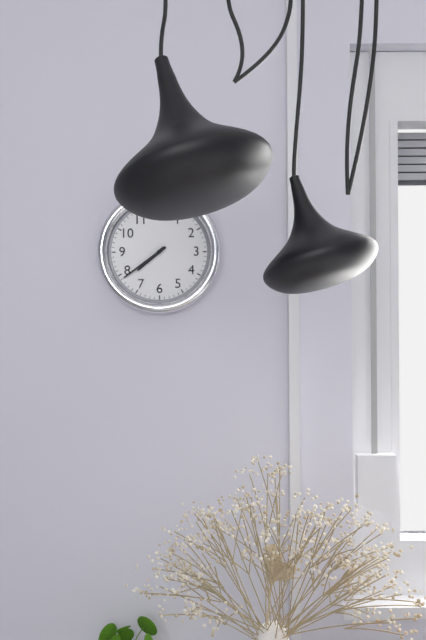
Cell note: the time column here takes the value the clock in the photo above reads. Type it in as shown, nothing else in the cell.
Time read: 7:39
